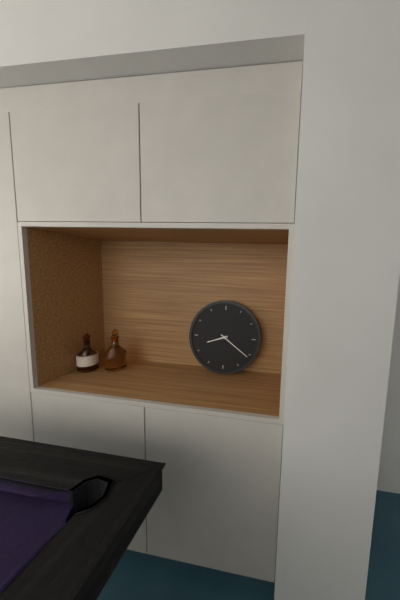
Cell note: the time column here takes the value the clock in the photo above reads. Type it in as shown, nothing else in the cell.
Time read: 8:21
